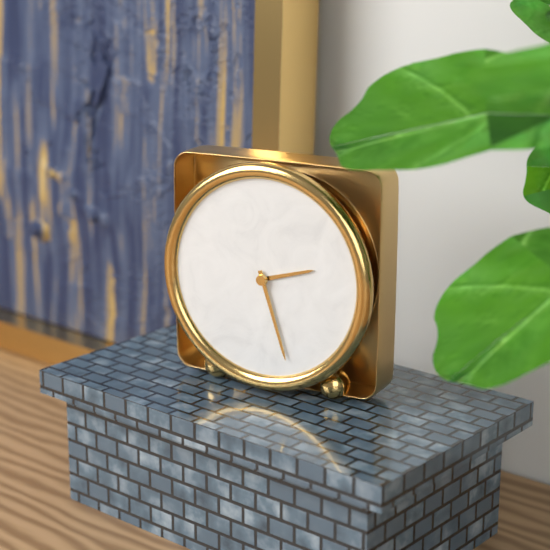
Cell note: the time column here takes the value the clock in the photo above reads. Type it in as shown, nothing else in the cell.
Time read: 2:27
